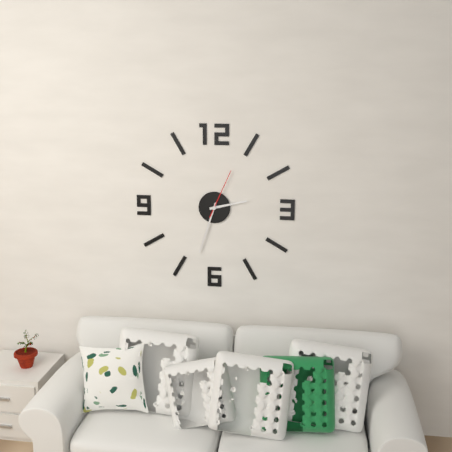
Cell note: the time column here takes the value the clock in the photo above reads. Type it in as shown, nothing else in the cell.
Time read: 2:33:04
